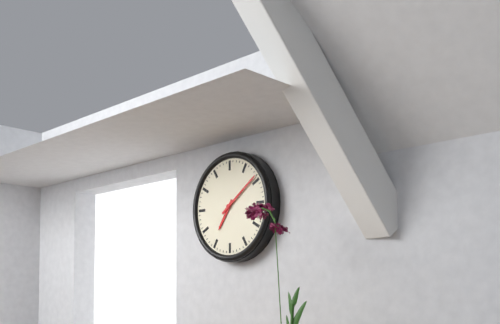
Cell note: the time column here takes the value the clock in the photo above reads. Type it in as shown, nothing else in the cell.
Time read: 7:09
